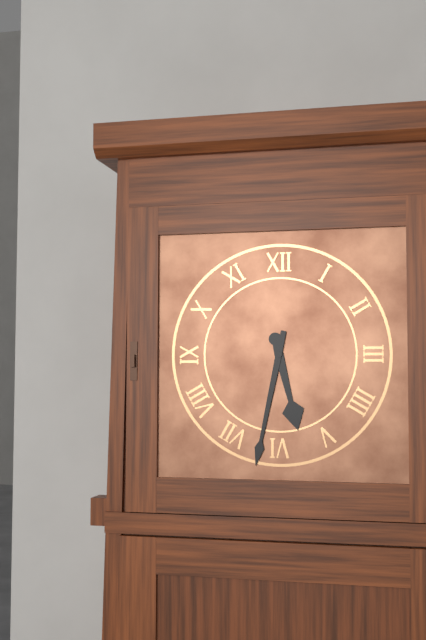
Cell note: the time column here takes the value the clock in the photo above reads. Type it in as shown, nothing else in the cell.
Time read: 5:32
